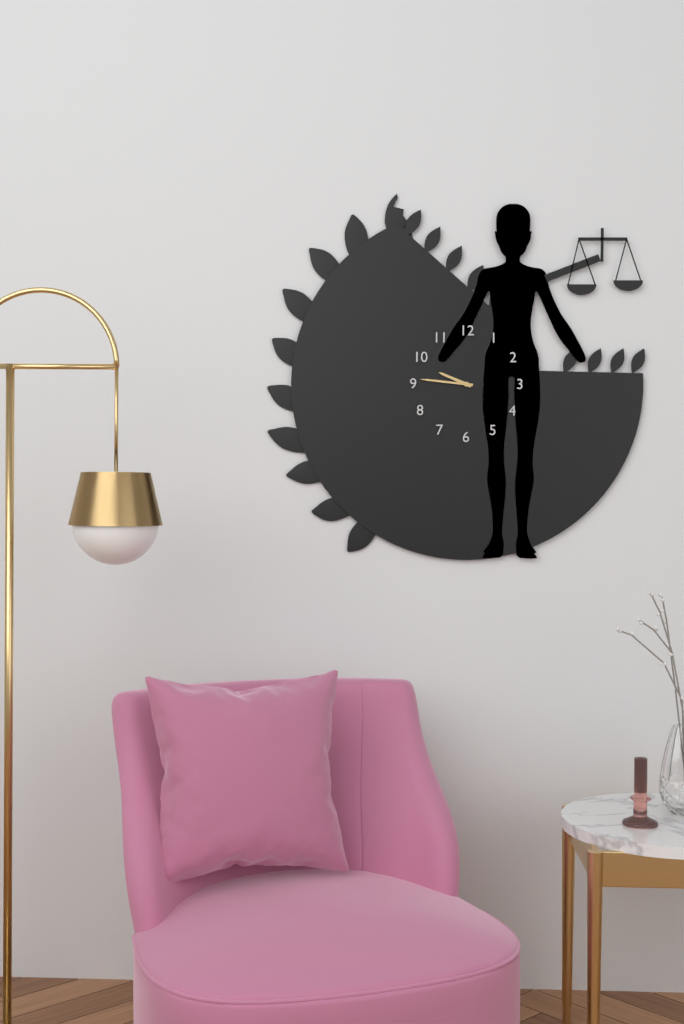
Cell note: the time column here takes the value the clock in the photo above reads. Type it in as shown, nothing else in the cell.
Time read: 9:46
